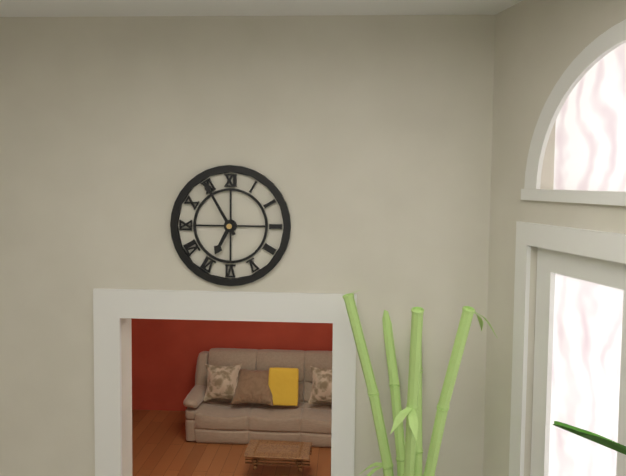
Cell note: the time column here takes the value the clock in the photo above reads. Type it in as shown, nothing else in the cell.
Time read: 6:55
